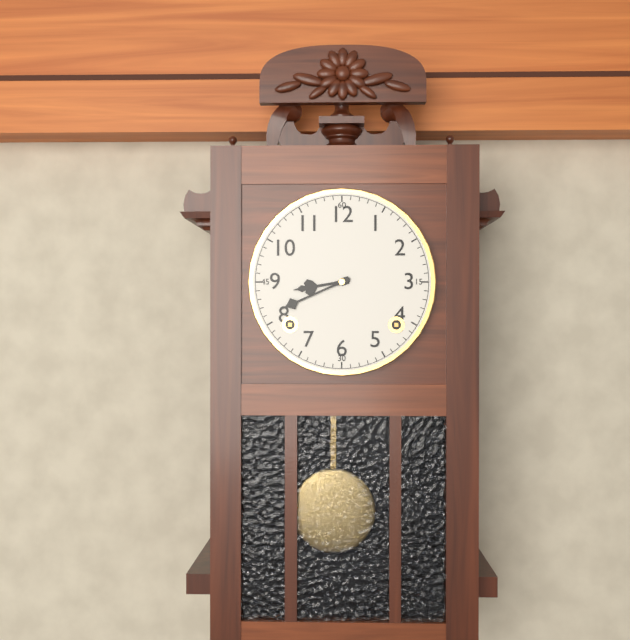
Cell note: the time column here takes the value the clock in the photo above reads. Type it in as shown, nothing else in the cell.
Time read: 8:41
